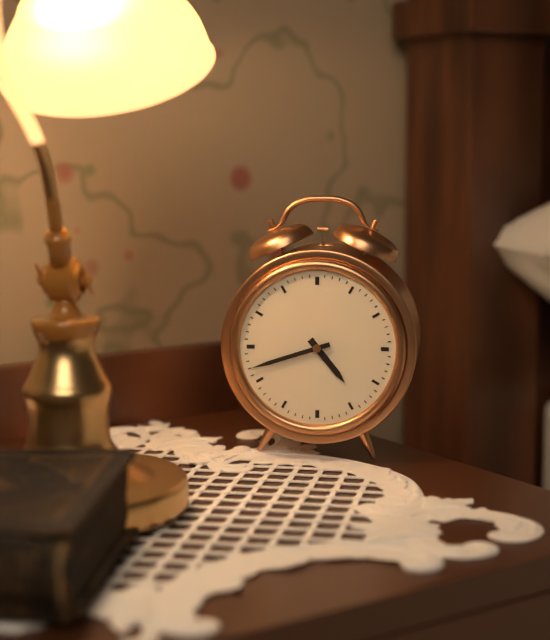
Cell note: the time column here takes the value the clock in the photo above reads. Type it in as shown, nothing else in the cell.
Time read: 4:42
